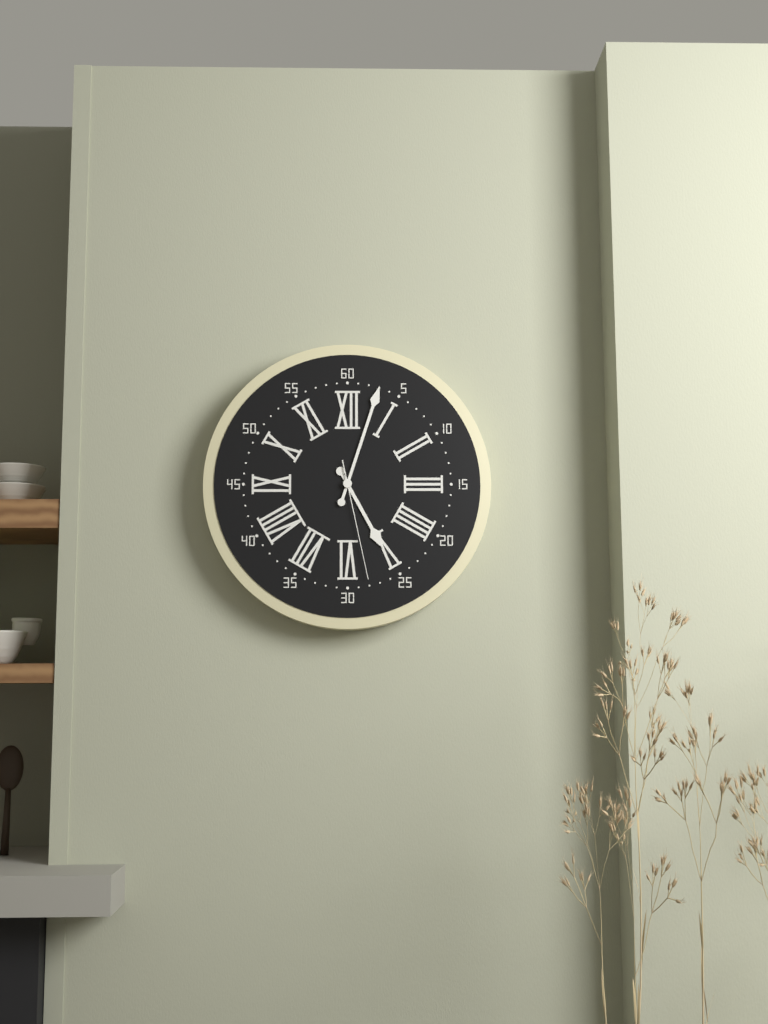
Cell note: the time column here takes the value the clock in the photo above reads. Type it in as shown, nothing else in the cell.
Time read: 5:03:28
